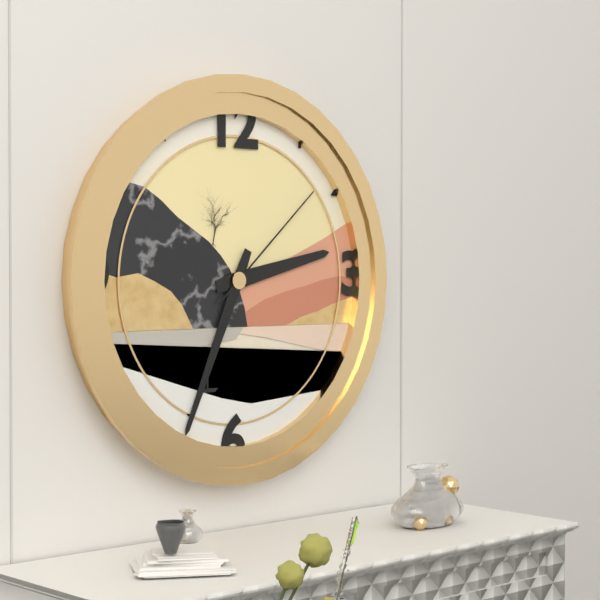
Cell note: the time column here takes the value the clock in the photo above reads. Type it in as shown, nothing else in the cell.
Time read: 2:34:08
